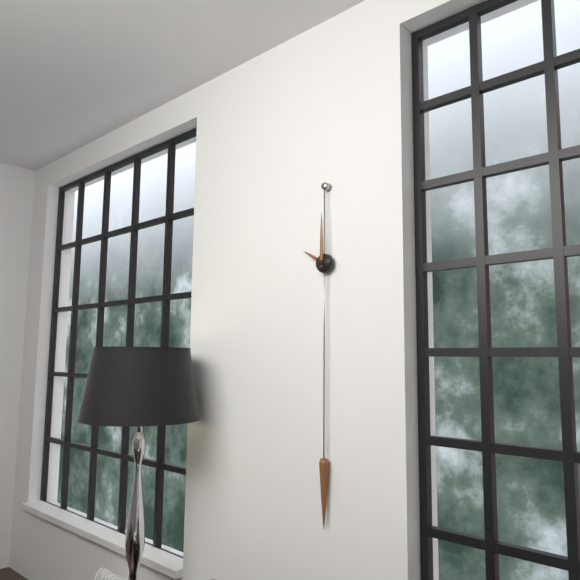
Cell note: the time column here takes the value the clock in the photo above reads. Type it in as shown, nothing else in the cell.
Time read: 10:00
